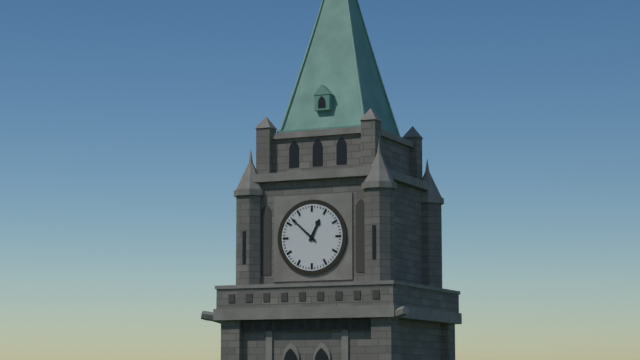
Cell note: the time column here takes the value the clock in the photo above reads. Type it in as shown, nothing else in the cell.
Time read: 12:52
